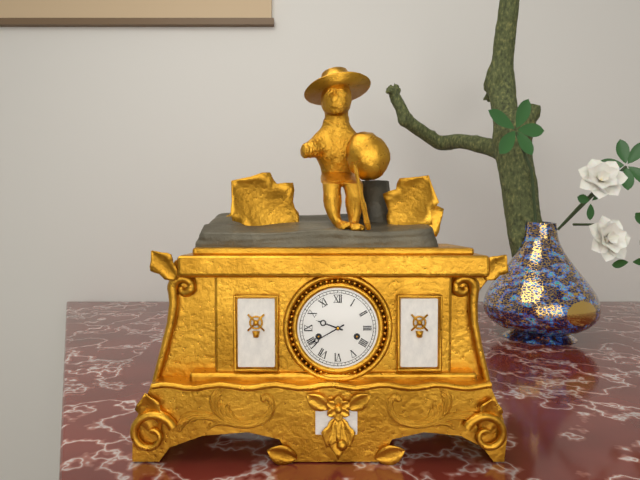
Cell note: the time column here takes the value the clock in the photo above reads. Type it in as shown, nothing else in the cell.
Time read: 9:40
